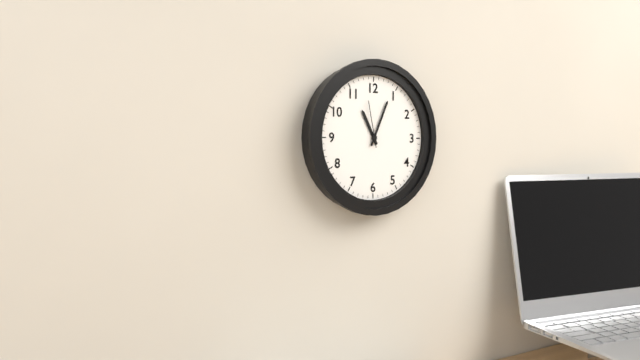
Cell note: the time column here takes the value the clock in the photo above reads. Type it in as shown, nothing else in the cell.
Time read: 11:04
